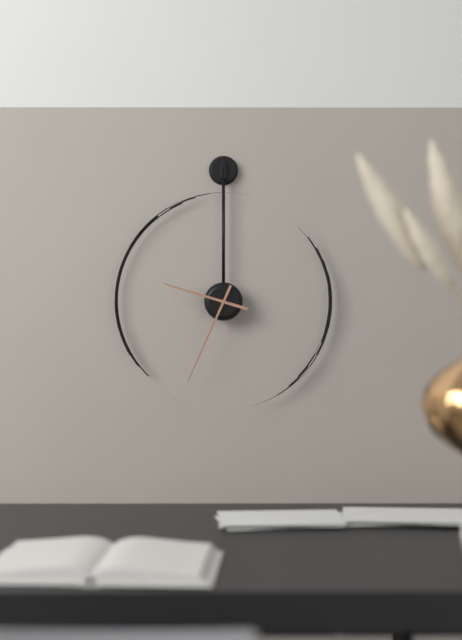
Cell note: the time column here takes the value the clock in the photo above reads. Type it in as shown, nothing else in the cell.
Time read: 9:34
